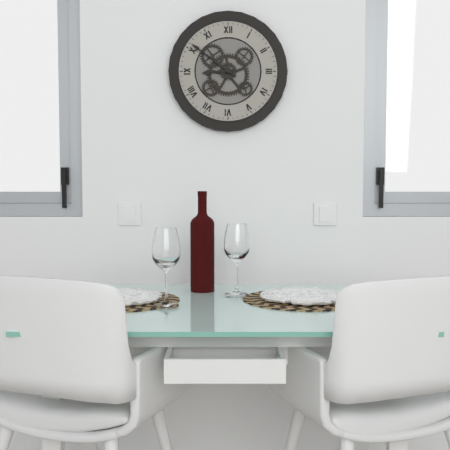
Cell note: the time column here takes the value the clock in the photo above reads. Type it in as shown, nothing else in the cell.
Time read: 8:51
